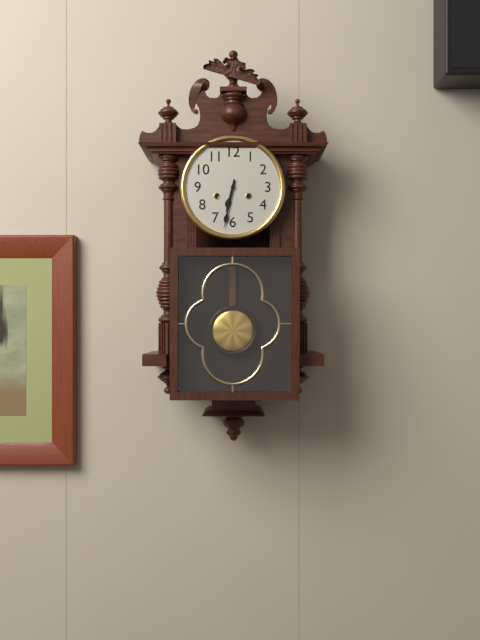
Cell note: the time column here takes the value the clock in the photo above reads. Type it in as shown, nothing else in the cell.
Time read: 6:32
